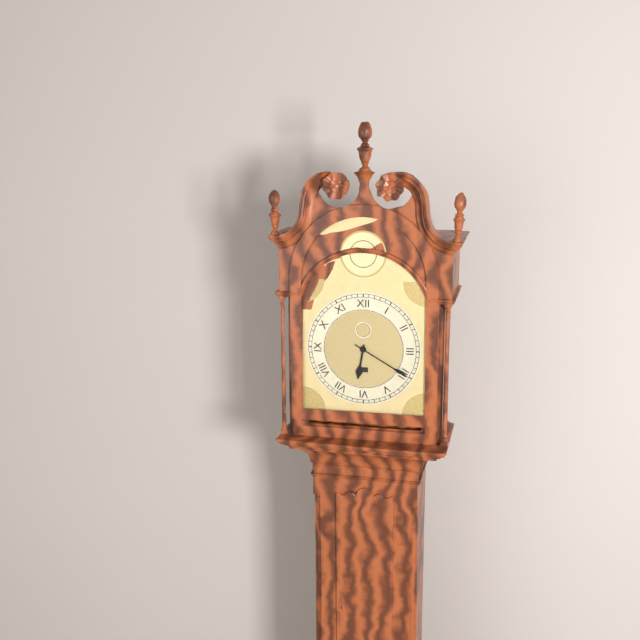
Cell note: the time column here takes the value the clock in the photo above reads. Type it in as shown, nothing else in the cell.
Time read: 6:20
